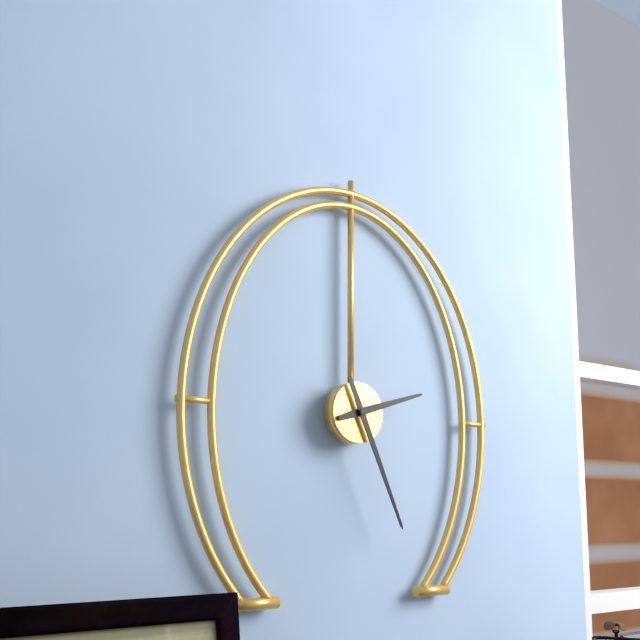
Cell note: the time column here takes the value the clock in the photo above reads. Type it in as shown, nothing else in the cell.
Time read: 2:26
